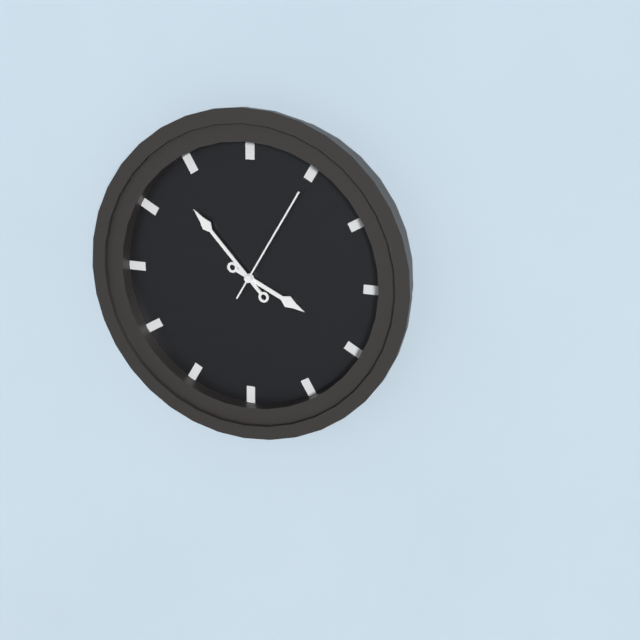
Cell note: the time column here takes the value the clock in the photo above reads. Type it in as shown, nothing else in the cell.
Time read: 3:53:05
